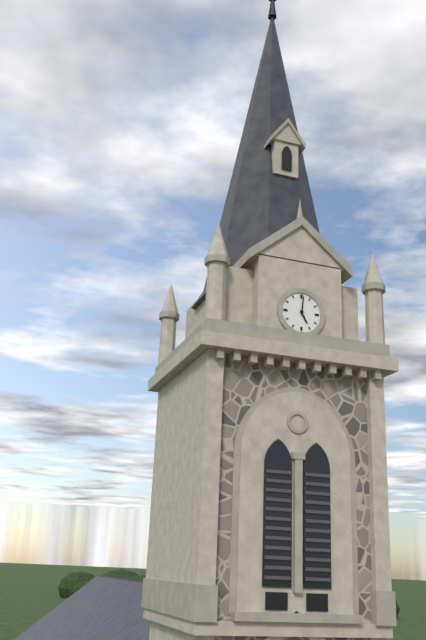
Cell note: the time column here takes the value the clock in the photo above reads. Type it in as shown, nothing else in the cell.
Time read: 5:01
